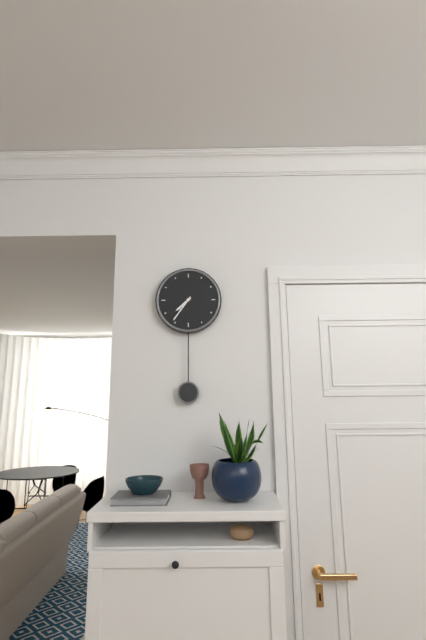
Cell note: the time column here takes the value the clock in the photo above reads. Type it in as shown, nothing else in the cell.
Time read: 7:36
